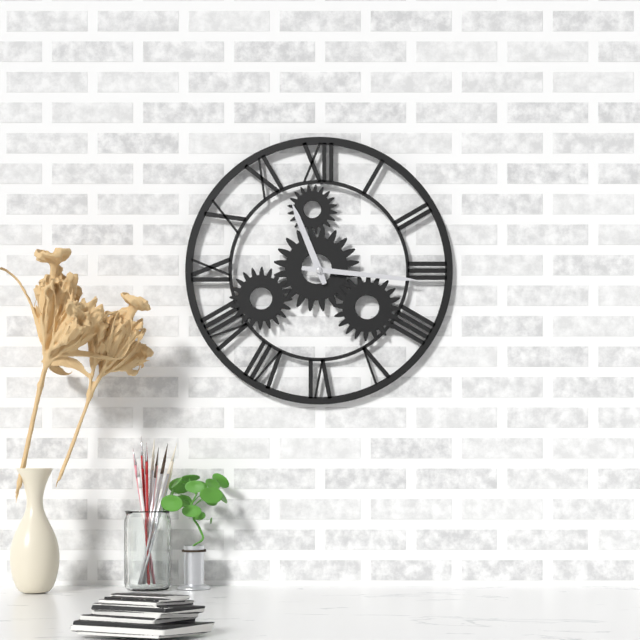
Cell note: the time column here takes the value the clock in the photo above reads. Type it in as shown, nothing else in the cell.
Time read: 11:16
